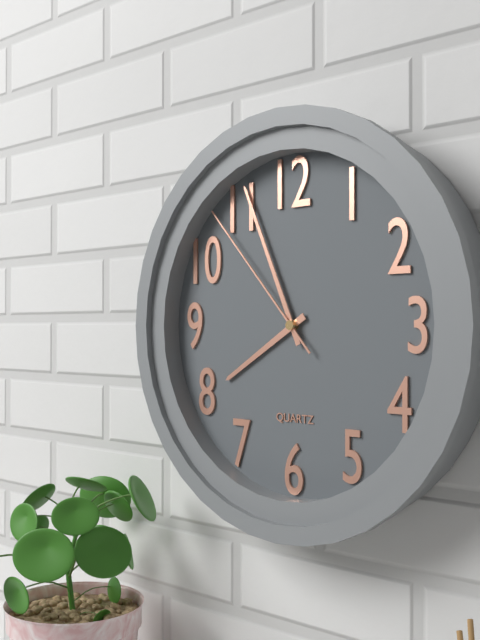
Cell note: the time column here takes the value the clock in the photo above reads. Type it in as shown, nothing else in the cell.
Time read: 7:56:53
